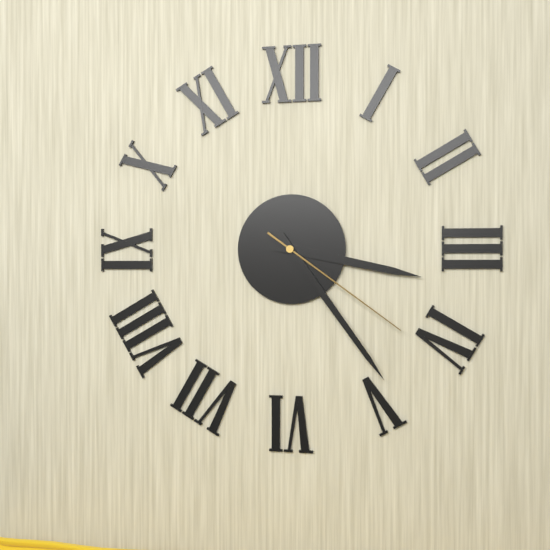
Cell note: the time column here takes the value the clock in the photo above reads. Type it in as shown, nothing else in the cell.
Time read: 3:24:21
